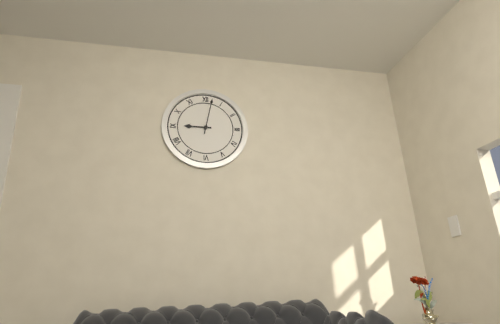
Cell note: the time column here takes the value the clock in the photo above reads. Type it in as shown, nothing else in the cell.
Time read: 9:02
